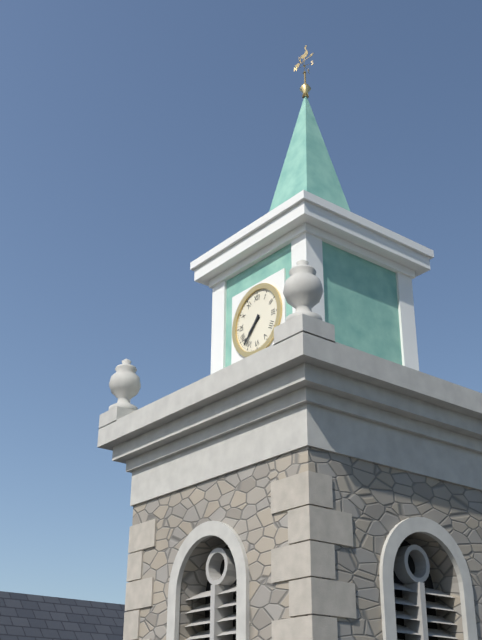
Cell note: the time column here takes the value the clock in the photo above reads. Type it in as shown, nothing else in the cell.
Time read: 7:37
